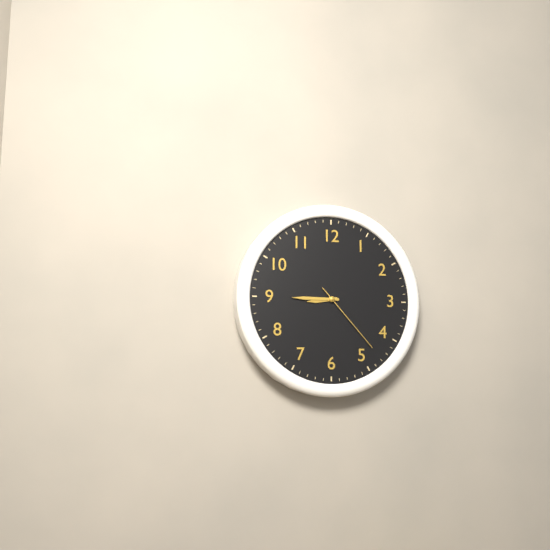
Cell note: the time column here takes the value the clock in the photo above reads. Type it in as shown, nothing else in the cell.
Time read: 8:45:23
